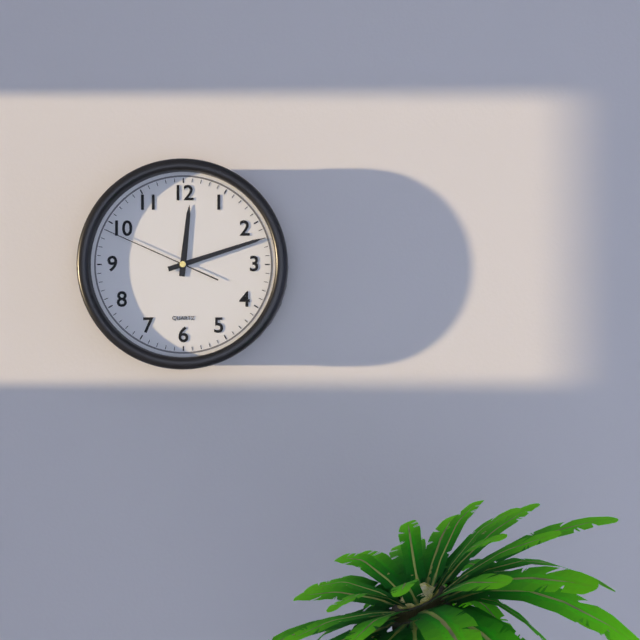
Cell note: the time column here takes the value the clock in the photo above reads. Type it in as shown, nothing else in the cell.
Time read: 12:12:49
